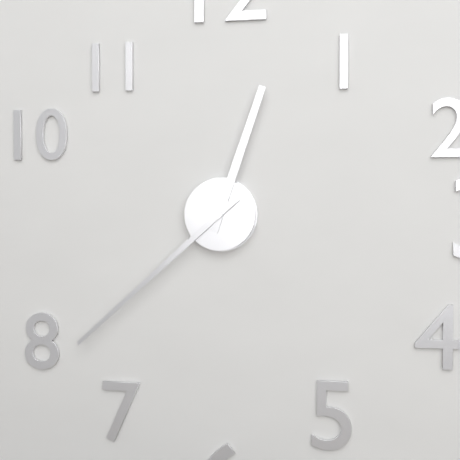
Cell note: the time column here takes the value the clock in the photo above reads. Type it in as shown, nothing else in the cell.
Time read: 12:38
